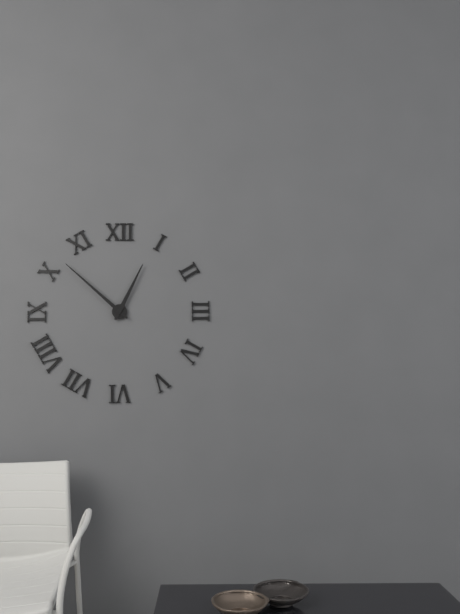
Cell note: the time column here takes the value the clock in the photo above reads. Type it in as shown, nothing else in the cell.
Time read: 12:52
